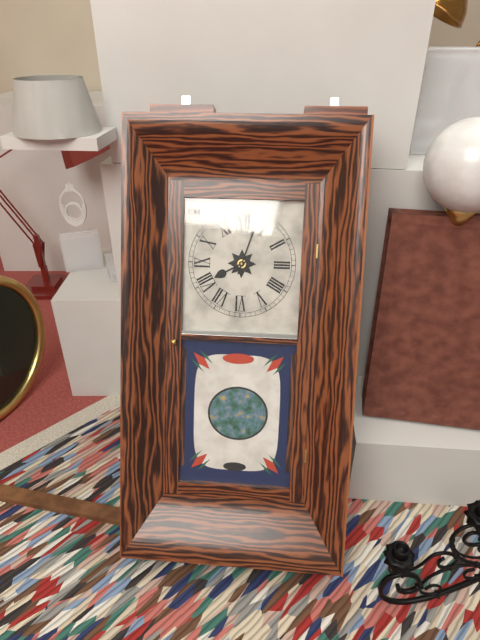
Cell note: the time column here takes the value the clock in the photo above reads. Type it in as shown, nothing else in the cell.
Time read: 8:03
